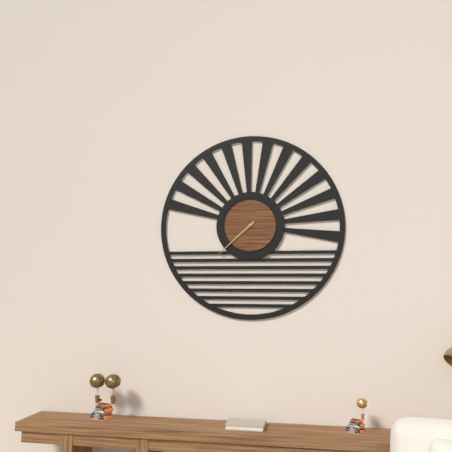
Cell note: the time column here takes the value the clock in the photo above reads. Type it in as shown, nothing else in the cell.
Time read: 7:38
